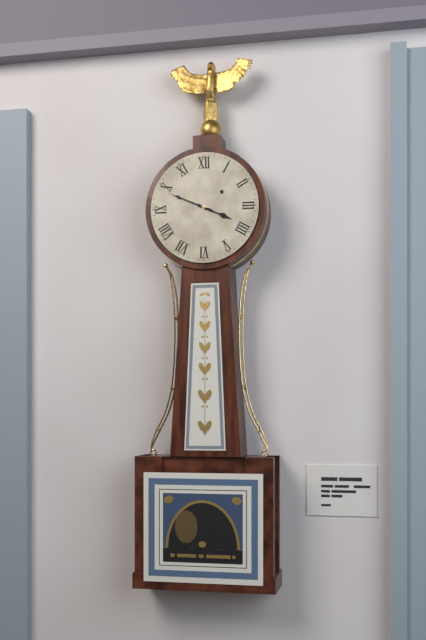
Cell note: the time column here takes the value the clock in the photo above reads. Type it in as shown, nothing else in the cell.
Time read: 3:49
